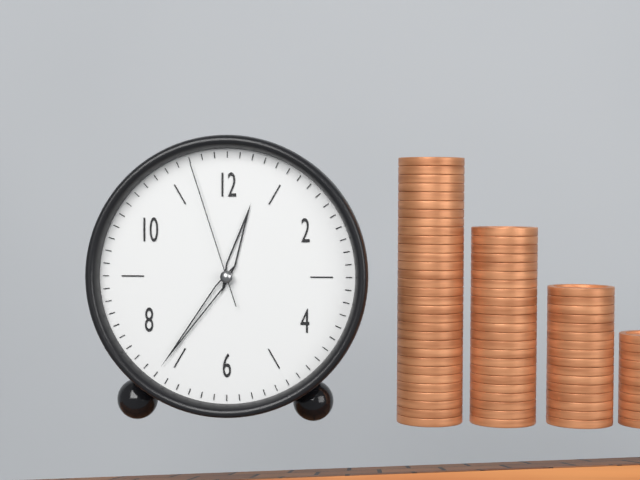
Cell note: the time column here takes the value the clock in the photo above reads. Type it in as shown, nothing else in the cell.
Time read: 12:36:57
